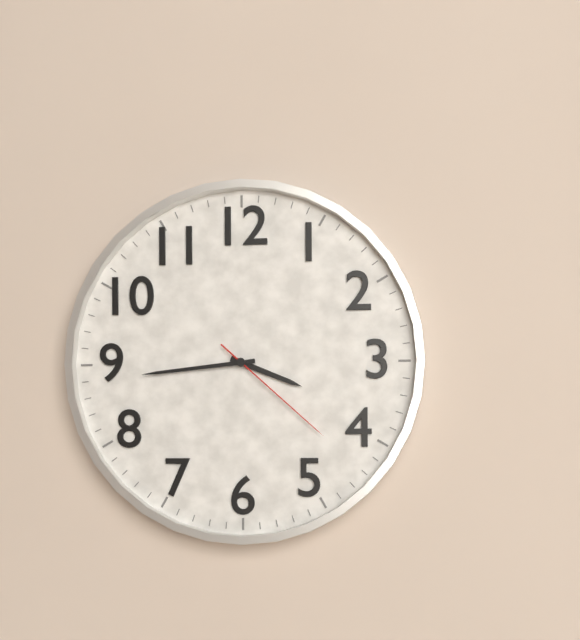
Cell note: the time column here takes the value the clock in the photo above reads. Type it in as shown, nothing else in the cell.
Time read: 3:44:22
